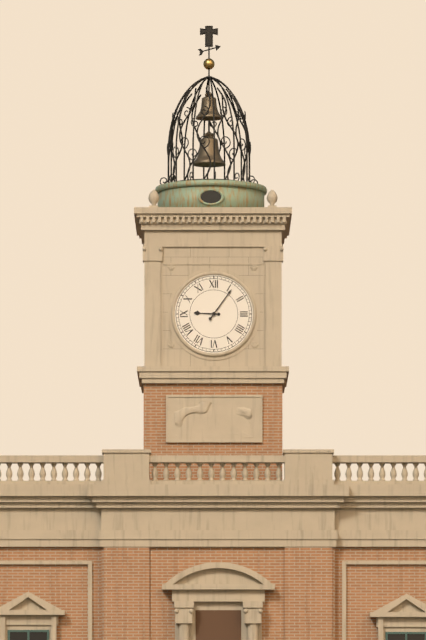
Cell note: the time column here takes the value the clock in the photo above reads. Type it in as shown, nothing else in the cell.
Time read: 9:06
